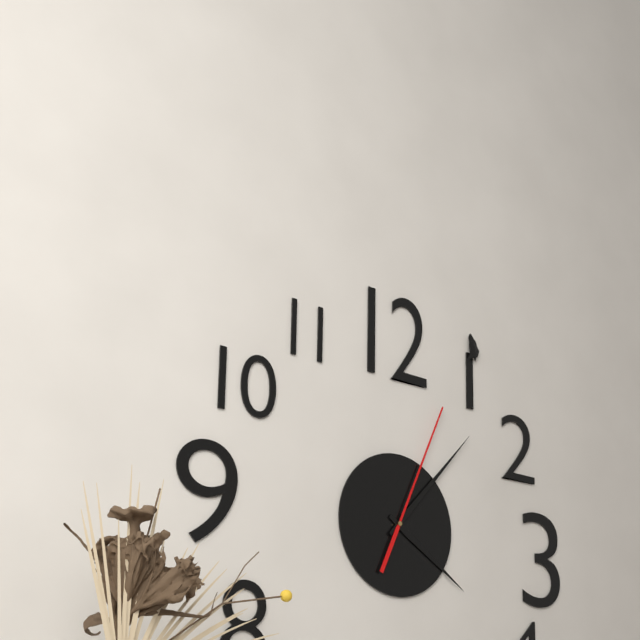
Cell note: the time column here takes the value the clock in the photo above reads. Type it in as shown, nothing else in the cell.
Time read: 4:07:04
